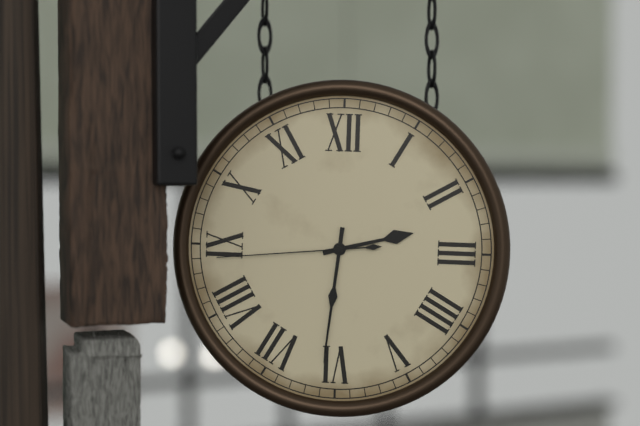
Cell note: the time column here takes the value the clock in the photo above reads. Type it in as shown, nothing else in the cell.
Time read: 2:31:44
